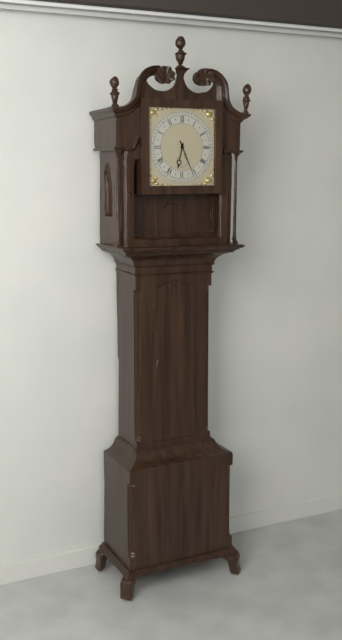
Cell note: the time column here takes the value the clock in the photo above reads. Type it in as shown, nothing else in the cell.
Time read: 6:26
